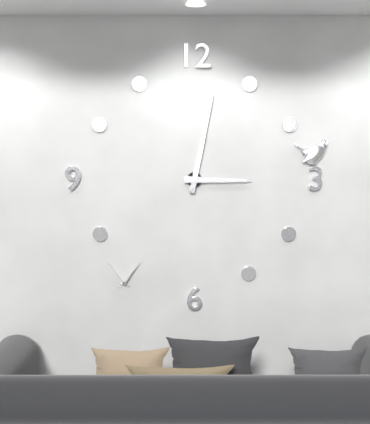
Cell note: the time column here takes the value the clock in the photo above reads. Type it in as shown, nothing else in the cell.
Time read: 3:02
